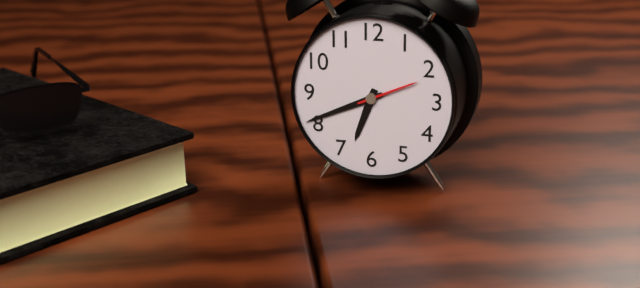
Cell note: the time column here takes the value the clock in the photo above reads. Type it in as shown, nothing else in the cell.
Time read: 6:41:11
